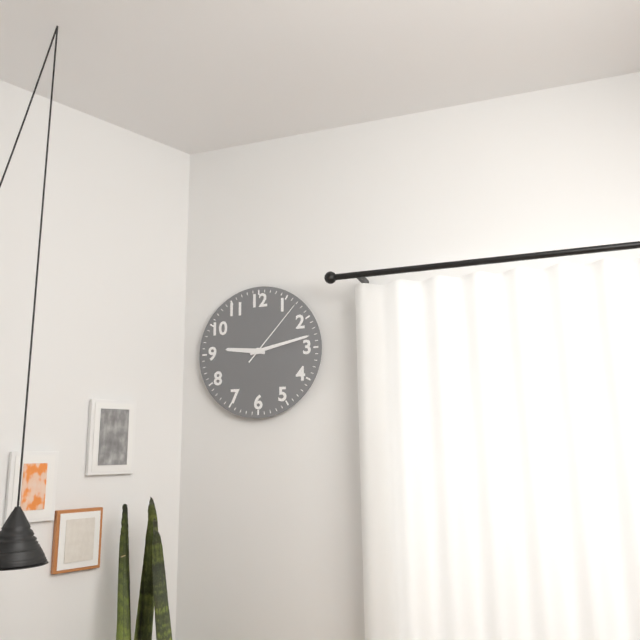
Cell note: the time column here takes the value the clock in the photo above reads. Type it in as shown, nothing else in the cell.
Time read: 9:13:07
